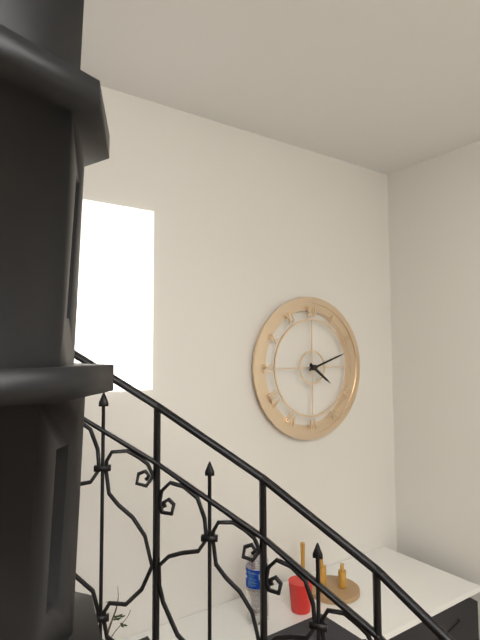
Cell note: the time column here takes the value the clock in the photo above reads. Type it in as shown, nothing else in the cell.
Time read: 4:12
